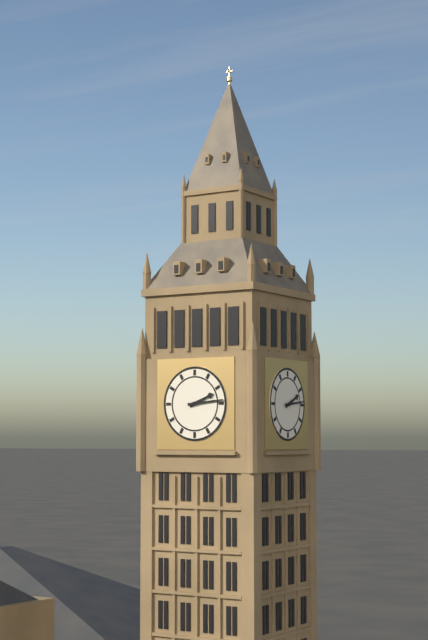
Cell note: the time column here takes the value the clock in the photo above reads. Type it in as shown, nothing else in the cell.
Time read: 2:14
